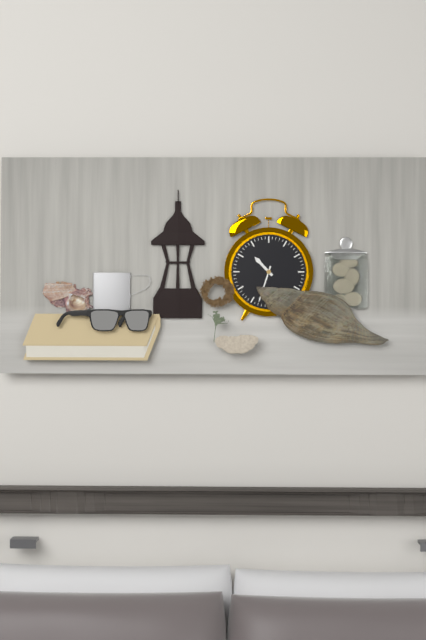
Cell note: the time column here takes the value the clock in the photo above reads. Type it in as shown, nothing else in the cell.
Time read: 10:33
